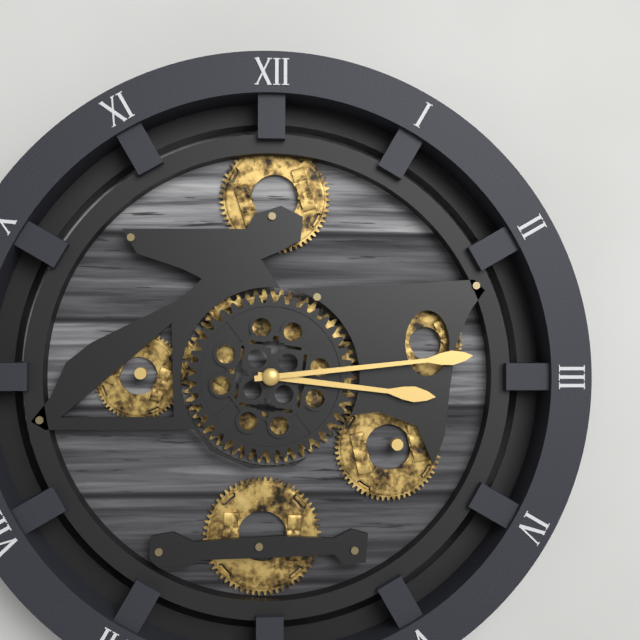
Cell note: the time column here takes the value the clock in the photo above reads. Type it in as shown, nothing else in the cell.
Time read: 3:14
